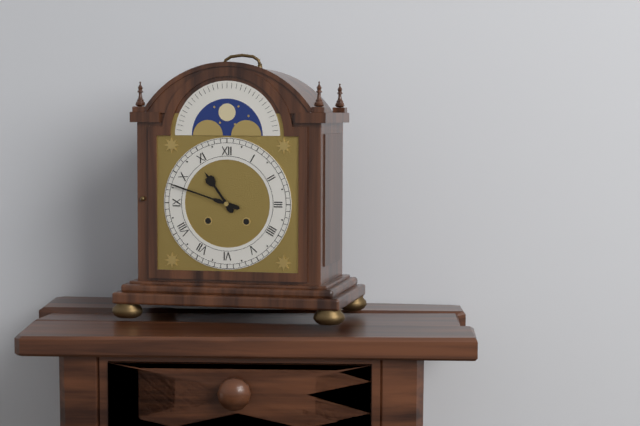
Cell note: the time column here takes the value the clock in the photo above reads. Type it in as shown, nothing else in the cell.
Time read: 10:48
